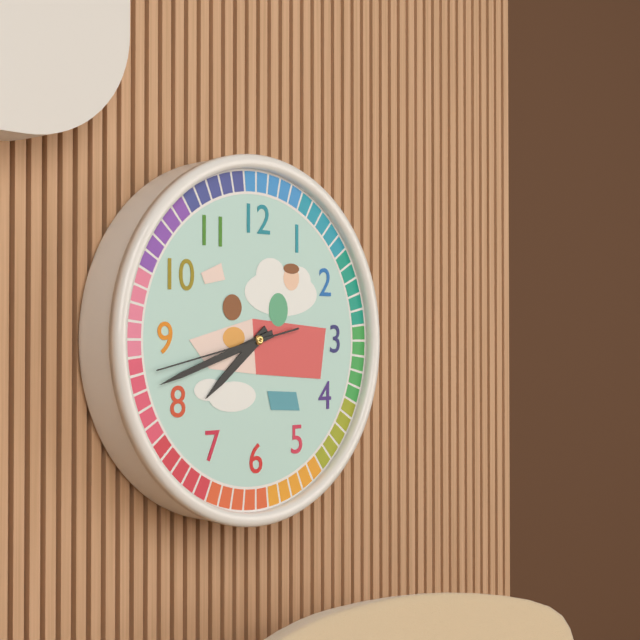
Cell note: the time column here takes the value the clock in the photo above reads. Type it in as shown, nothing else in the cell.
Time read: 7:42:43
